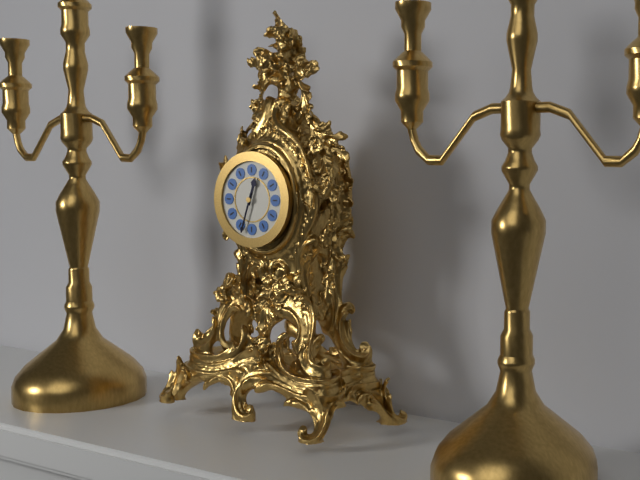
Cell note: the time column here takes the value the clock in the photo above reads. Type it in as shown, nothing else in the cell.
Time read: 12:33
